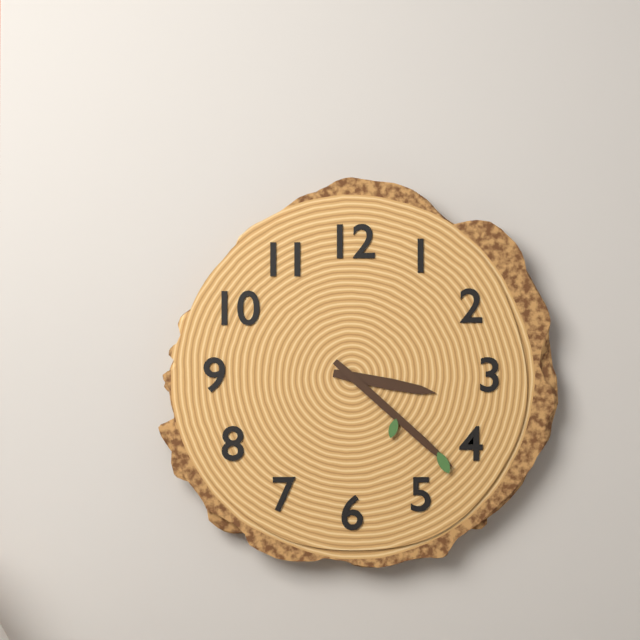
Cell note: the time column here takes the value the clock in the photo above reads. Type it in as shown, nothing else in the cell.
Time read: 3:22
